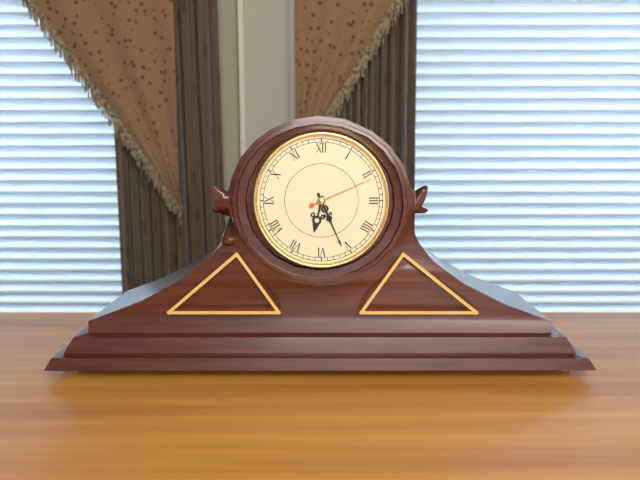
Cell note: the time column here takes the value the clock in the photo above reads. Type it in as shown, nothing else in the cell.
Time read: 6:26:11
